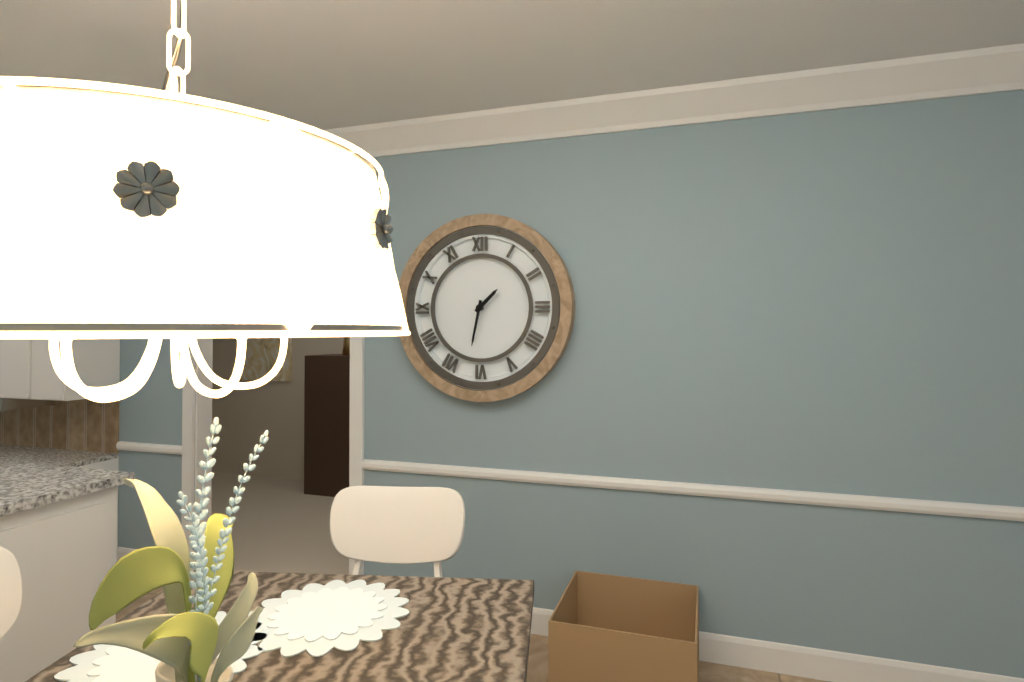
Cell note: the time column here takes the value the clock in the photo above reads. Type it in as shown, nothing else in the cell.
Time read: 1:32
